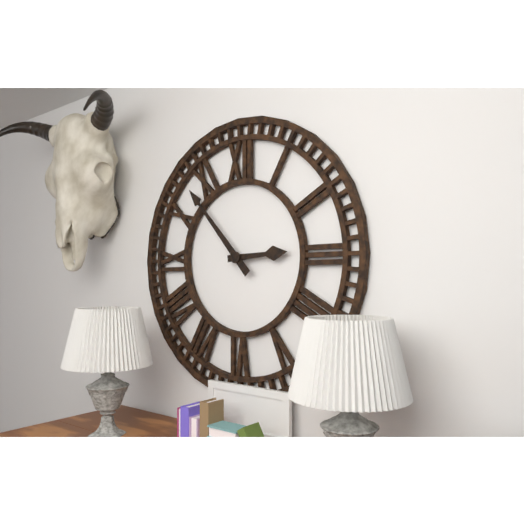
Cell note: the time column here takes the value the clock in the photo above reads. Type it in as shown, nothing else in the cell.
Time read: 2:53
